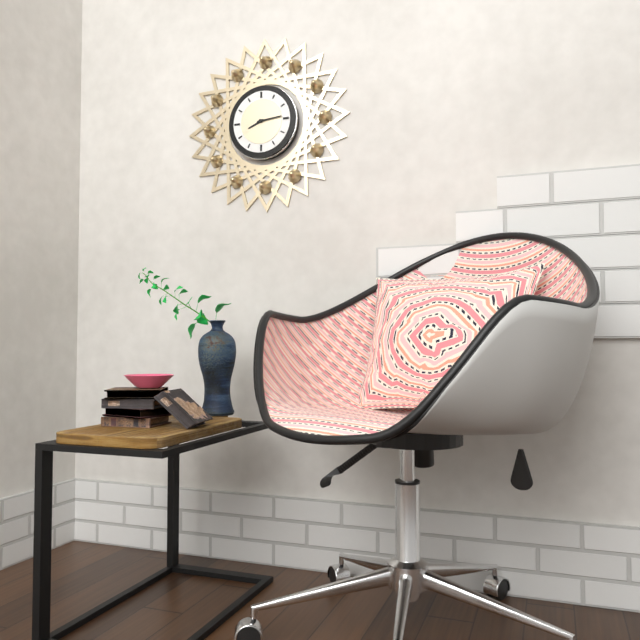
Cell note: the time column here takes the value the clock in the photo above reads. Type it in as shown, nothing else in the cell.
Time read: 8:14
